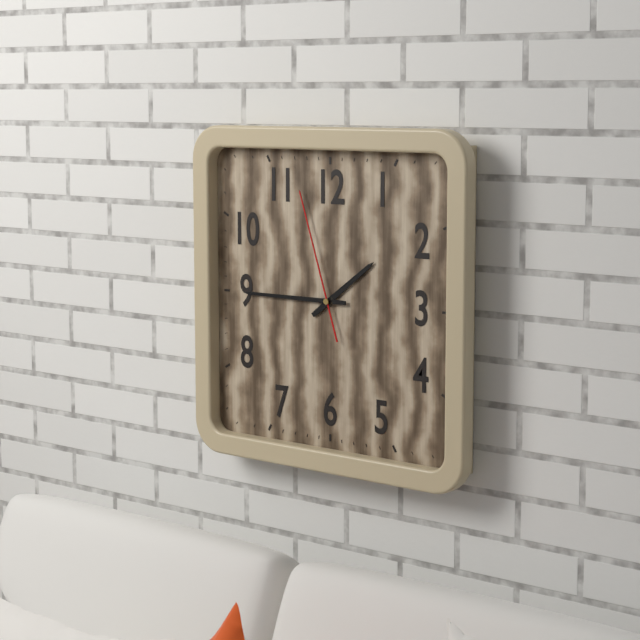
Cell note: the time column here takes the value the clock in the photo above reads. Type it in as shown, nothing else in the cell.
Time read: 1:45:57
